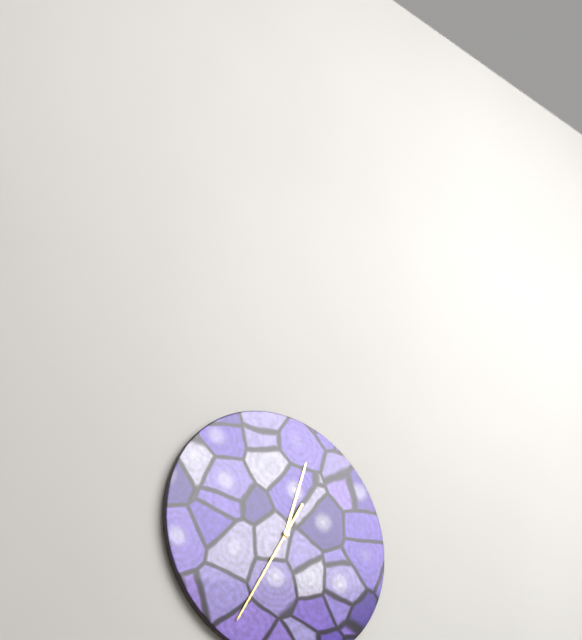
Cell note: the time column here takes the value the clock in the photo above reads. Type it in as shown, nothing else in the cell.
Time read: 12:35
